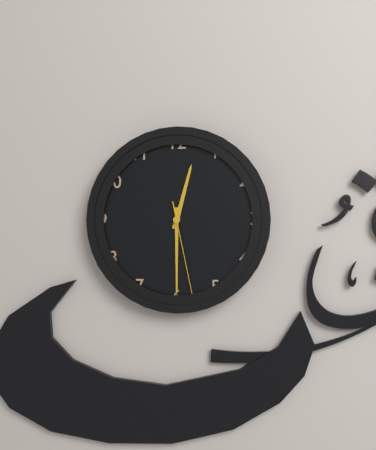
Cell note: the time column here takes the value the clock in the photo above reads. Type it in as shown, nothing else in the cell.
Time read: 12:30:28
